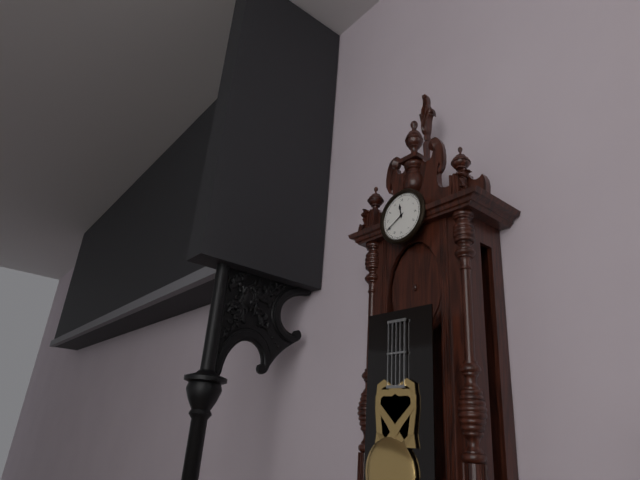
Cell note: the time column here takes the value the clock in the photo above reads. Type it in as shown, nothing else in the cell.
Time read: 11:40
